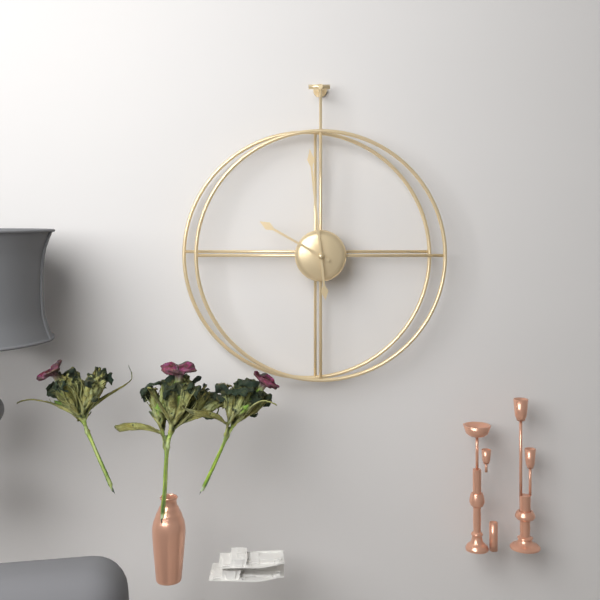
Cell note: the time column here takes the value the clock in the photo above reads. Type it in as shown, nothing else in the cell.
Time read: 9:59
